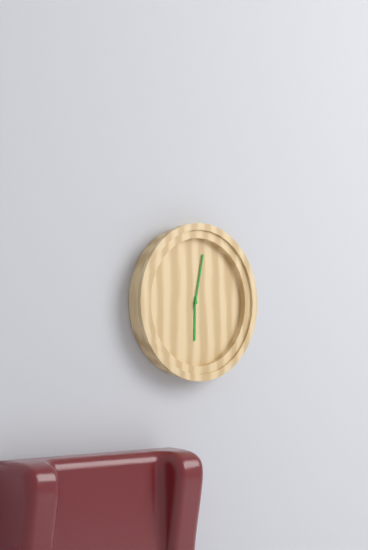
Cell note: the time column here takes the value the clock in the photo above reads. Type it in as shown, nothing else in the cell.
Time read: 6:02
